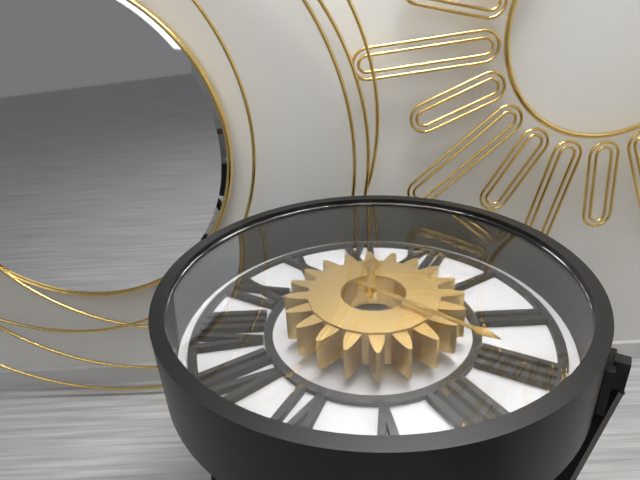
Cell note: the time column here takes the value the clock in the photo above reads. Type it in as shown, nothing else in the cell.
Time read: 11:17
